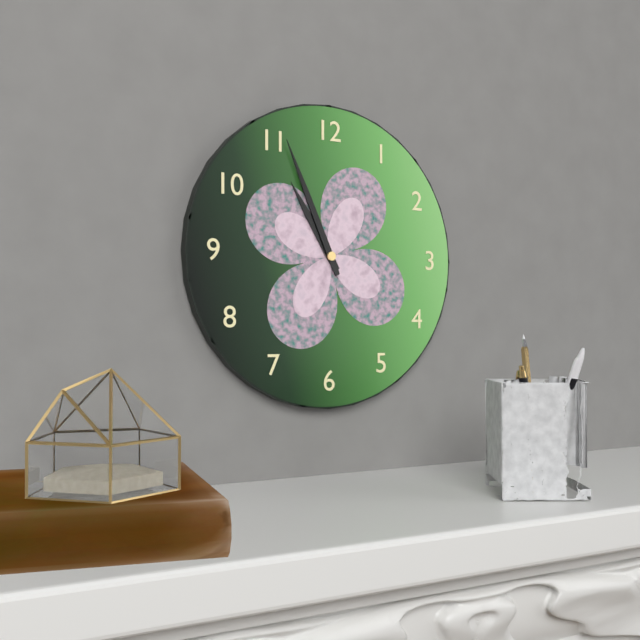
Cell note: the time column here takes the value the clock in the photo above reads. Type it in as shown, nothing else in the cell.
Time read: 10:56
